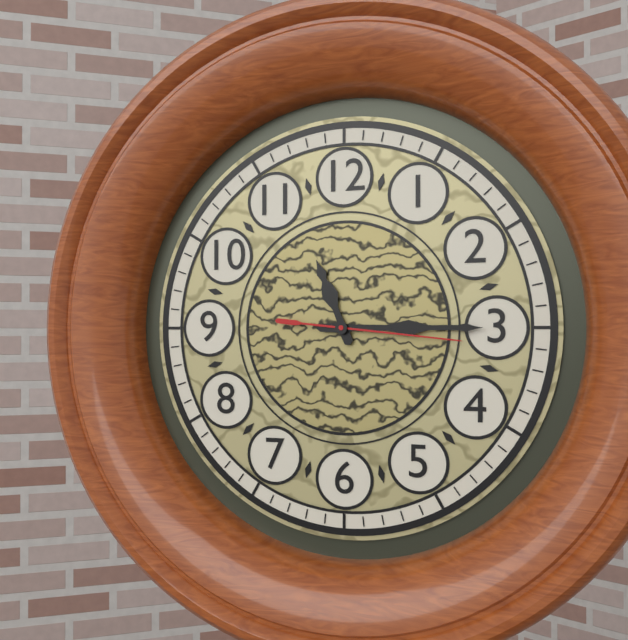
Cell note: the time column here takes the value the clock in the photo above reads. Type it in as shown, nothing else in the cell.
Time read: 11:15:16
